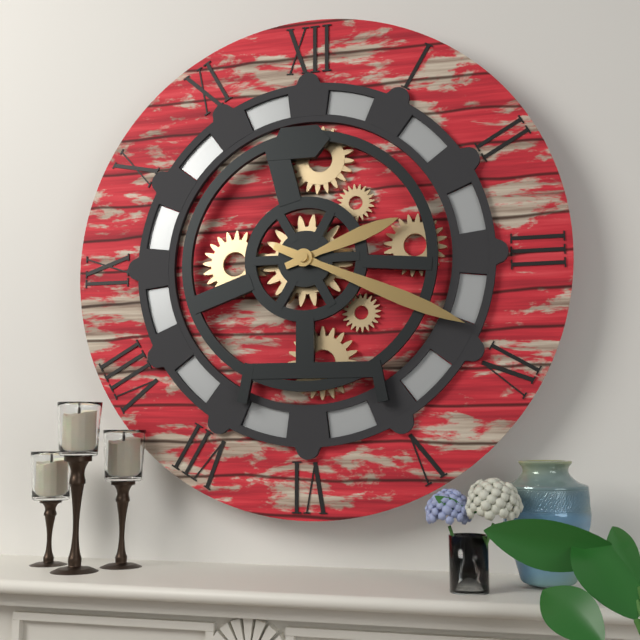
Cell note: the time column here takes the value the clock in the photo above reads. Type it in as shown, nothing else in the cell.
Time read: 2:19
